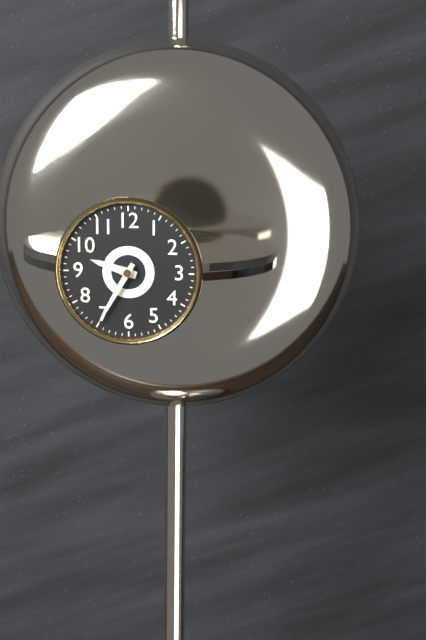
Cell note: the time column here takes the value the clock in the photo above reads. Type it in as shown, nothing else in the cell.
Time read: 9:35
